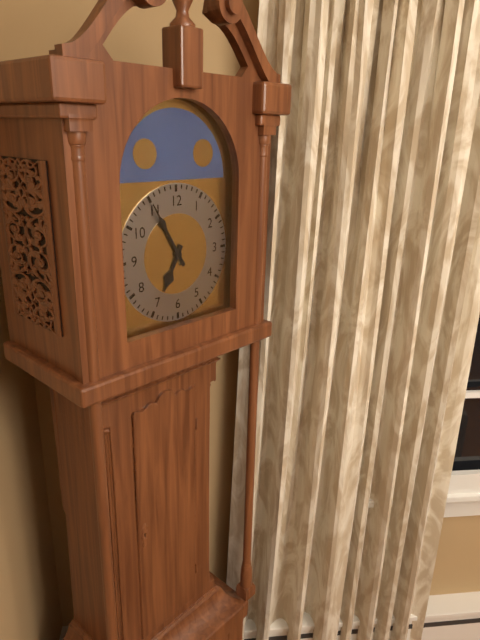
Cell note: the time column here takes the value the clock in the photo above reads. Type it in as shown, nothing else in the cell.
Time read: 6:55
